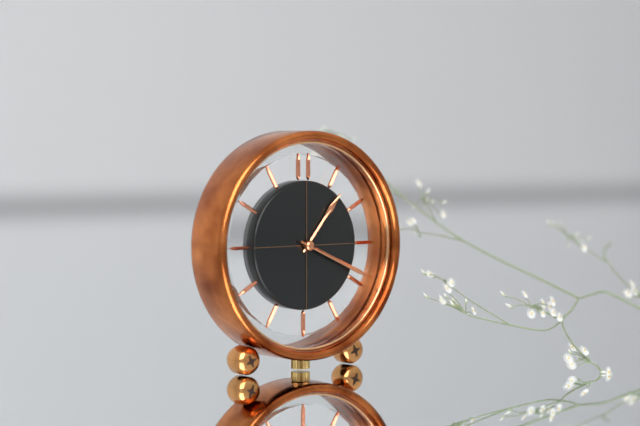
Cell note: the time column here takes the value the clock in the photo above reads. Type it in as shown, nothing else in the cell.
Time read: 1:19
